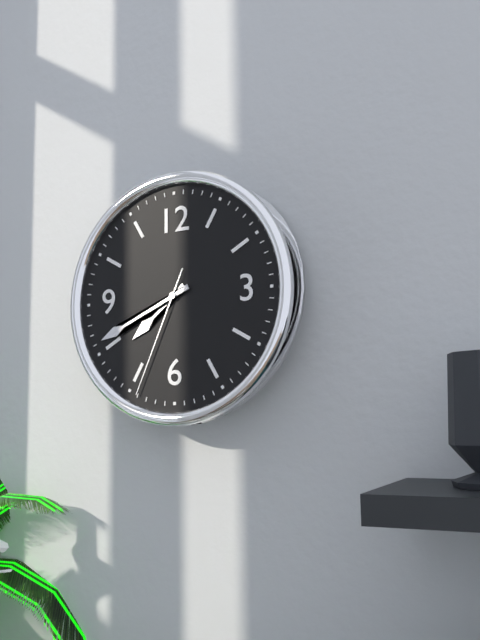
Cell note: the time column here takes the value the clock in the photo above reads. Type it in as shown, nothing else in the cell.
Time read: 7:41:34
